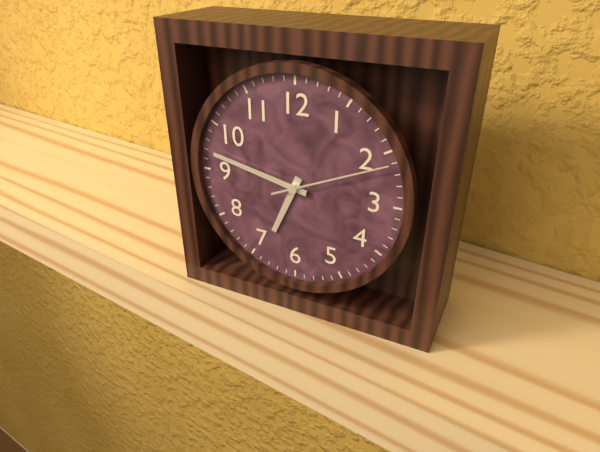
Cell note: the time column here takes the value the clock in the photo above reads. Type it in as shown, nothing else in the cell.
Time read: 6:47:11
